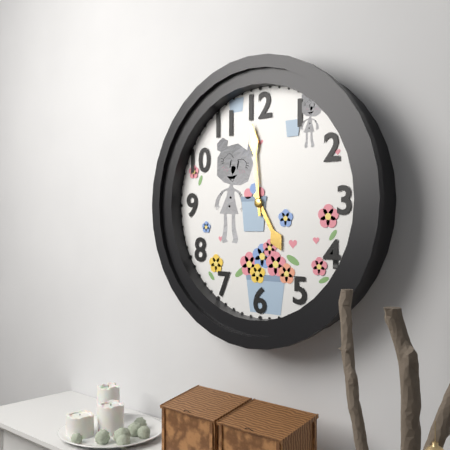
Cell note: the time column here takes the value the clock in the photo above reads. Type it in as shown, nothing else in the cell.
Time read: 4:59
